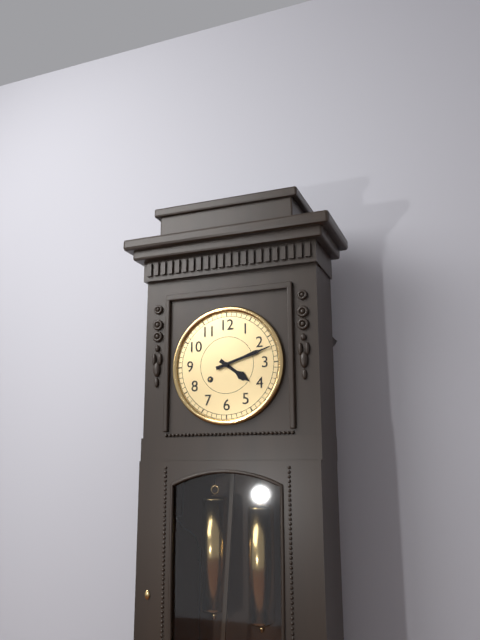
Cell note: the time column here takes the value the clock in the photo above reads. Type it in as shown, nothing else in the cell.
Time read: 4:12
